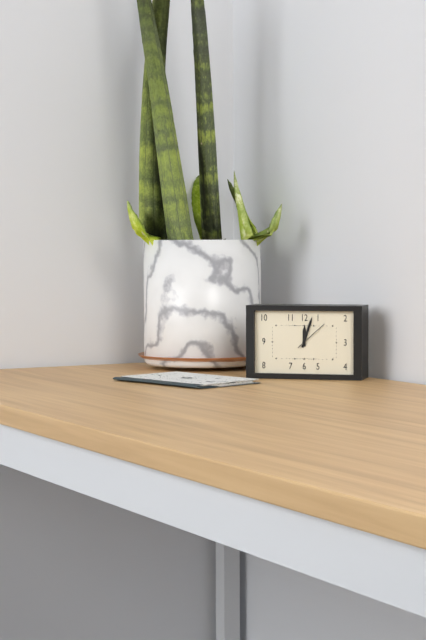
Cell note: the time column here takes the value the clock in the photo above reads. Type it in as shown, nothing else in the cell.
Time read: 12:03
